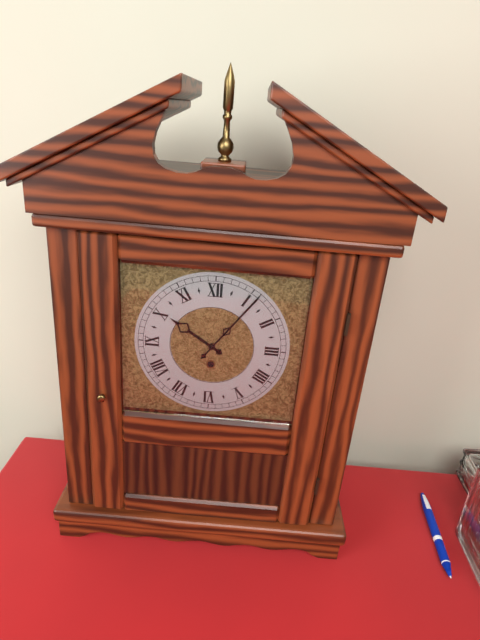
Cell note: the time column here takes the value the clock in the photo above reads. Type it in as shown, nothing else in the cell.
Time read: 10:06
